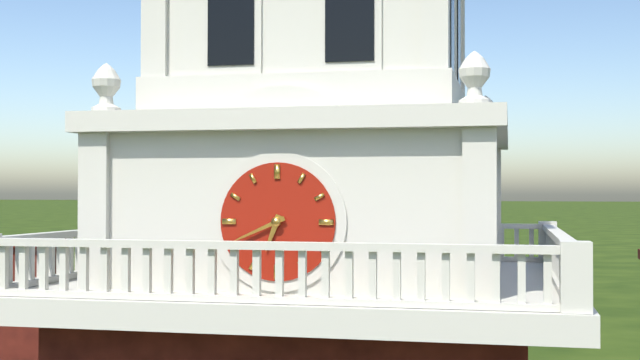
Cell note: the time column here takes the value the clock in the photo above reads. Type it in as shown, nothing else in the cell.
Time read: 6:41
